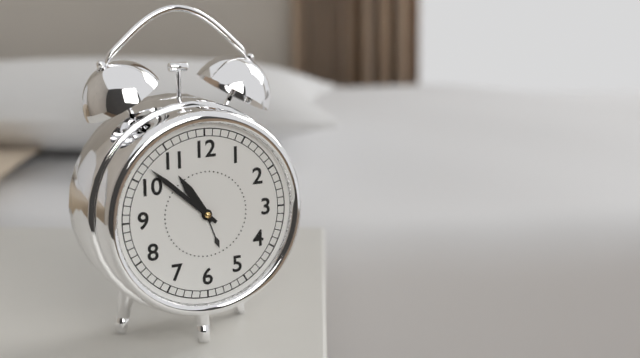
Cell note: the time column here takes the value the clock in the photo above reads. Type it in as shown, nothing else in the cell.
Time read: 10:52
